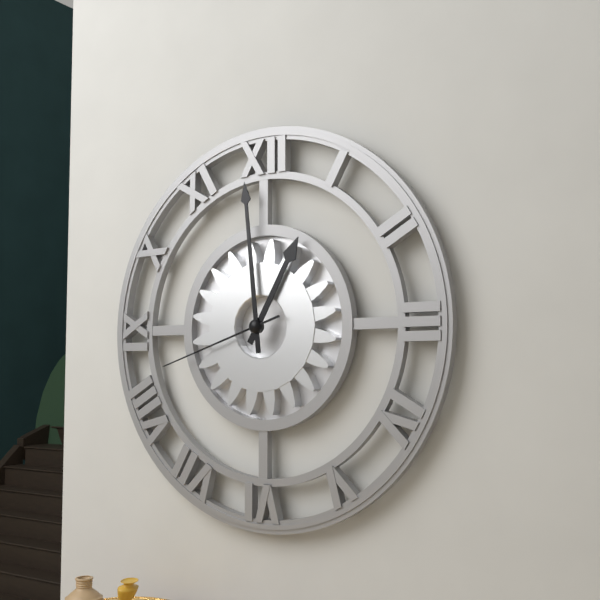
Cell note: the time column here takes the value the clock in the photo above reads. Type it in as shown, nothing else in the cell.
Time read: 12:59:42
